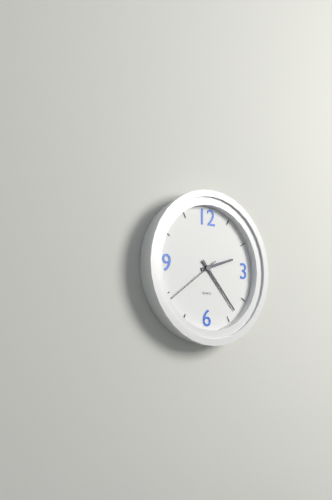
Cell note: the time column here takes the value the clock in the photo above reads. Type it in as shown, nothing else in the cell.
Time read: 2:23:39
